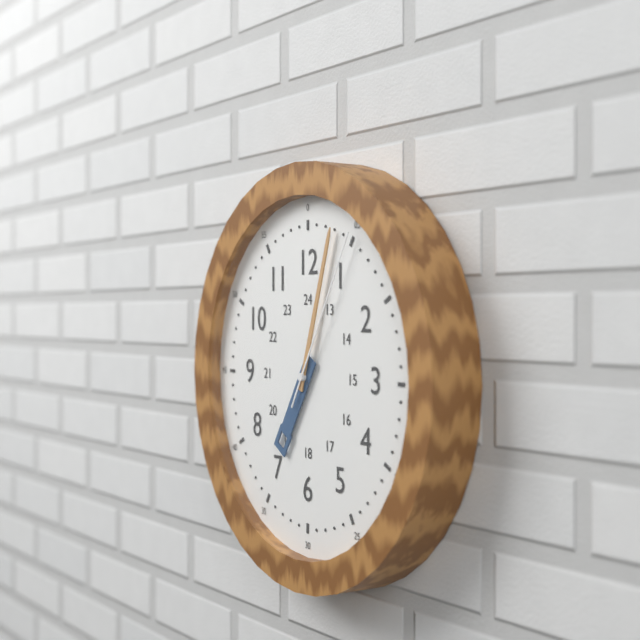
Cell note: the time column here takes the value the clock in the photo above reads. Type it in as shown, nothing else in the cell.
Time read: 7:03:05
